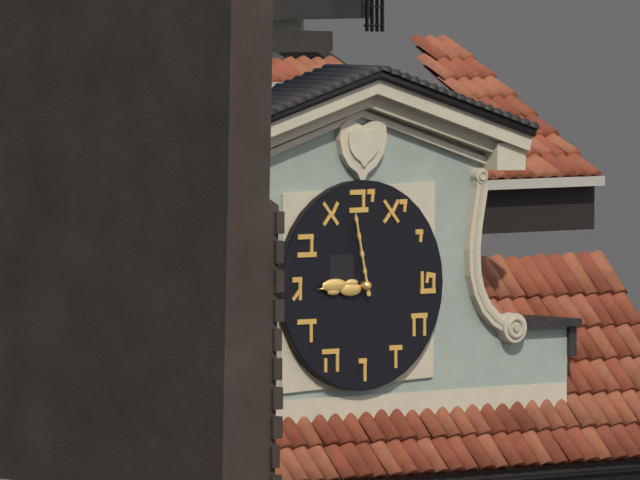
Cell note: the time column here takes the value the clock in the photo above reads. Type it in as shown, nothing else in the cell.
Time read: 8:58
